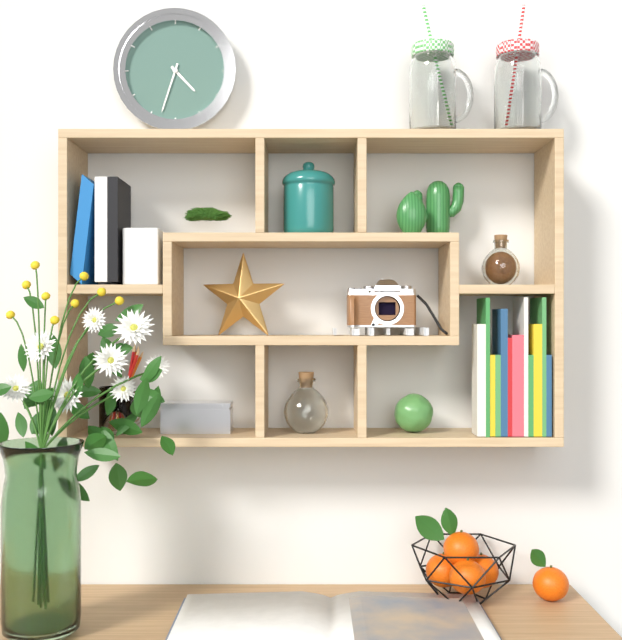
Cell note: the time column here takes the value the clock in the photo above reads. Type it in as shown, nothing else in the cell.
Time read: 4:33
